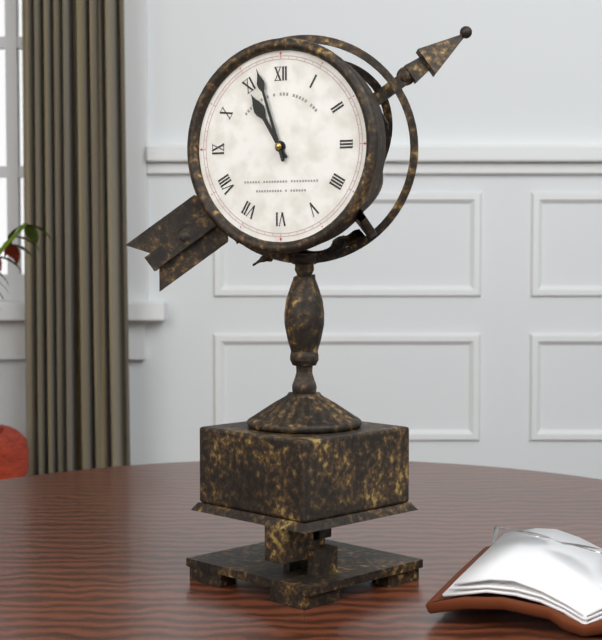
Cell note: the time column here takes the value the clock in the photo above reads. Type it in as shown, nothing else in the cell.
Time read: 10:57
